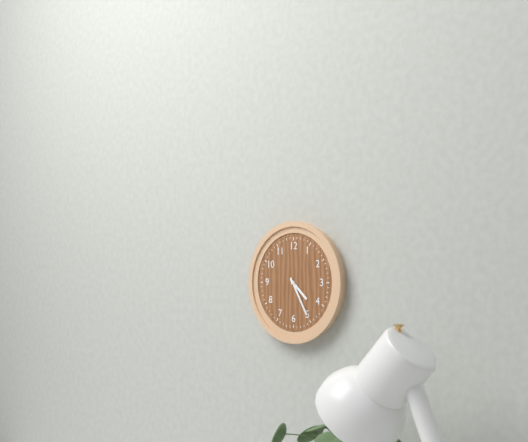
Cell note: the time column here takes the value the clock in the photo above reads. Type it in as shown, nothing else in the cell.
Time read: 4:25
